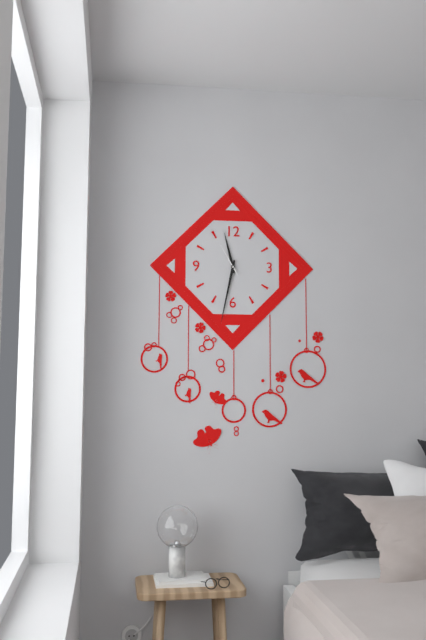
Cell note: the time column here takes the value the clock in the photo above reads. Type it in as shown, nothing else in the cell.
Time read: 11:32
